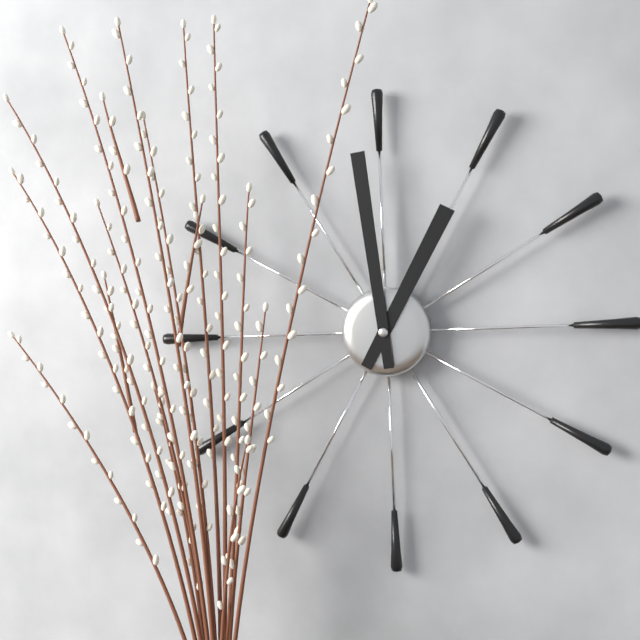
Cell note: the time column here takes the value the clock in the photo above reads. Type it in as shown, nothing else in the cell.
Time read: 12:59
